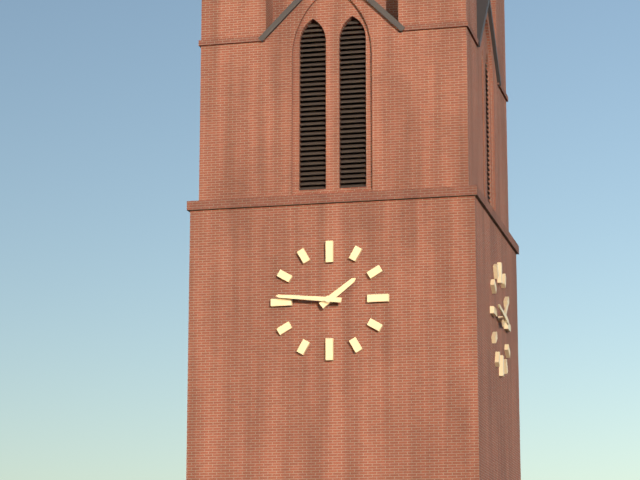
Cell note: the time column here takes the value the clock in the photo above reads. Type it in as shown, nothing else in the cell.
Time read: 1:46
